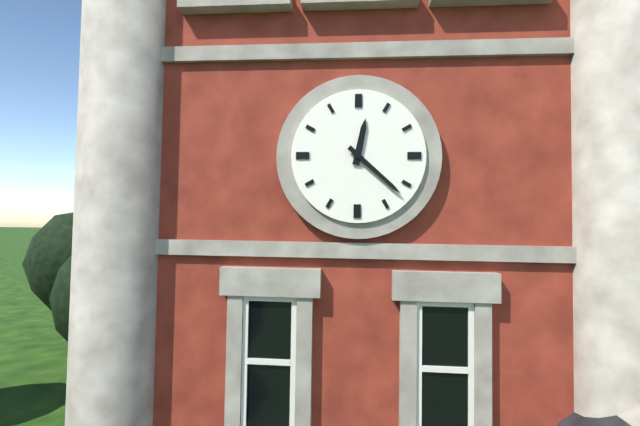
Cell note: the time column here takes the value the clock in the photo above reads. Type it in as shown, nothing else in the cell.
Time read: 12:22
